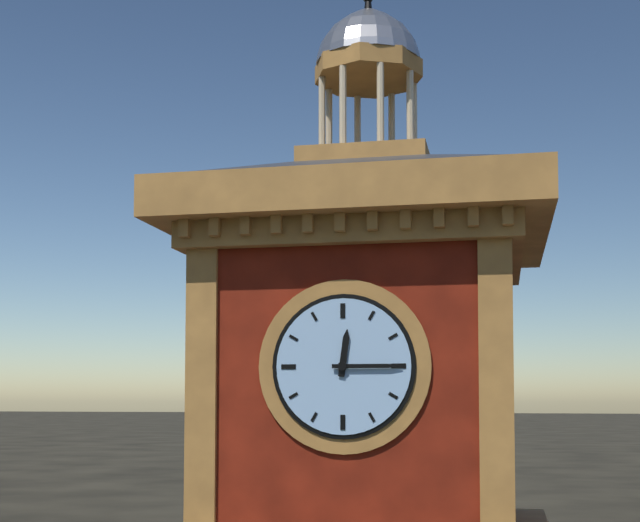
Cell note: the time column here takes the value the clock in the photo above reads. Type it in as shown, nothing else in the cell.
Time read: 12:15
